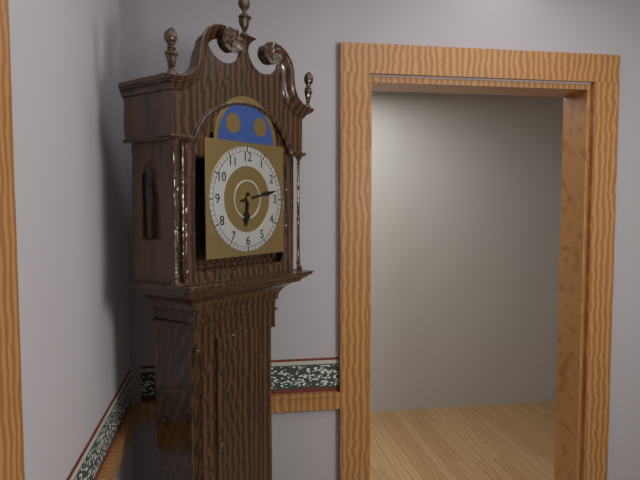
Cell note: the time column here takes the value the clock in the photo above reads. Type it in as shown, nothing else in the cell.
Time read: 6:13
